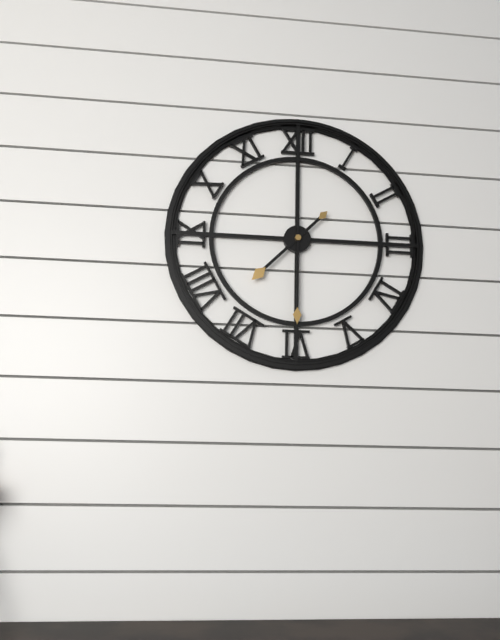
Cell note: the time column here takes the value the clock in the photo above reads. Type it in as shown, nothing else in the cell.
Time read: 7:30
